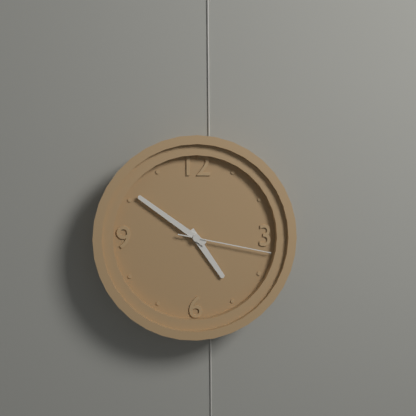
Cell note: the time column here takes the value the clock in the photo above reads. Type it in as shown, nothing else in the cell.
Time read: 4:51:17
